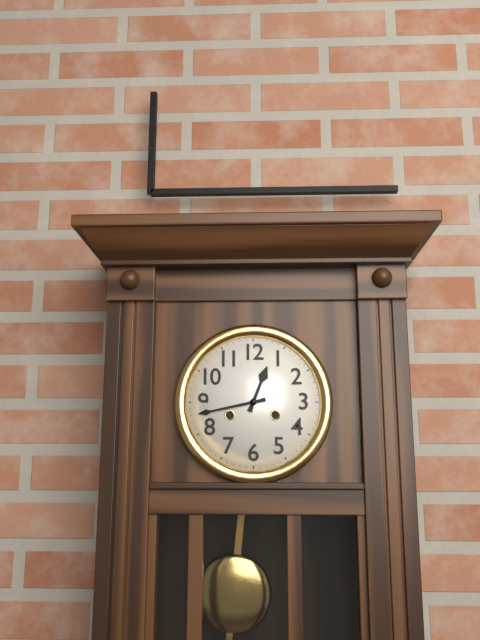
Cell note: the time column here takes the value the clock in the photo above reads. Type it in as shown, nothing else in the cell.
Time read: 12:43
